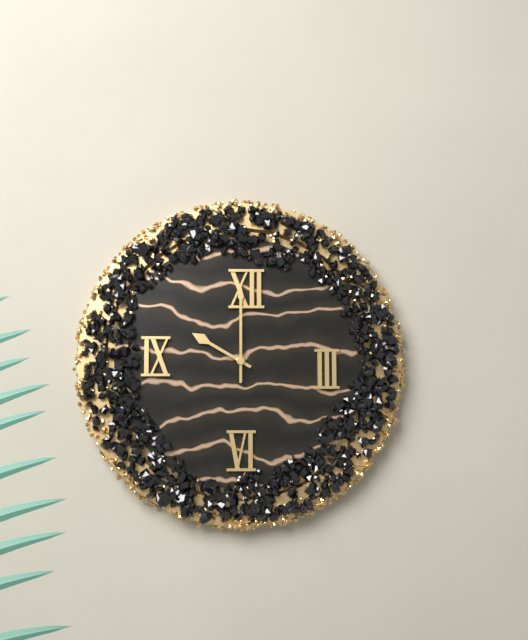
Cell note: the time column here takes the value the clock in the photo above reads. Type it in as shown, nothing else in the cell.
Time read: 10:00
